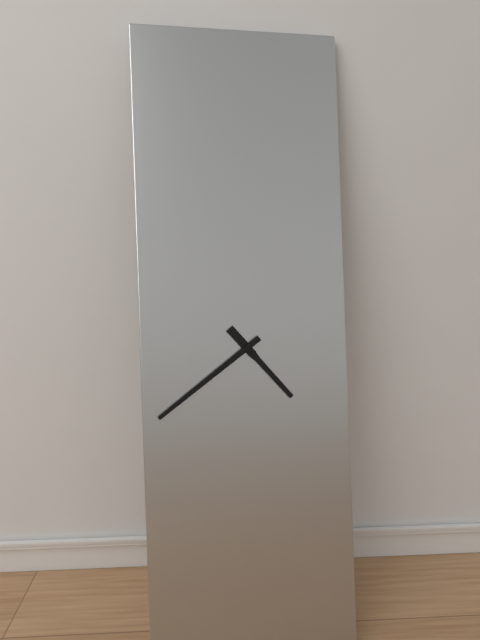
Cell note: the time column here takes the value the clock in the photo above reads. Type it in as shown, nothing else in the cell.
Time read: 4:39
